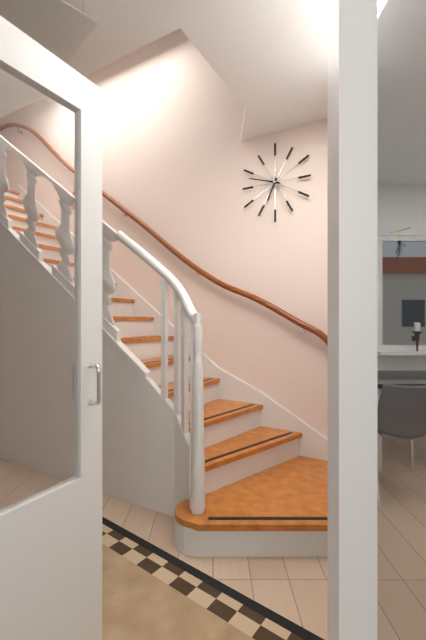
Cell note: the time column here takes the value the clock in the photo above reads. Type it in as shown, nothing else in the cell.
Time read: 6:48
